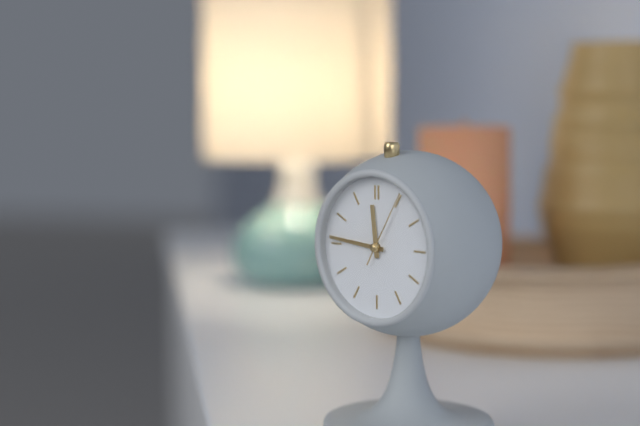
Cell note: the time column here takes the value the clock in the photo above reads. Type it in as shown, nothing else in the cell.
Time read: 11:46:05
